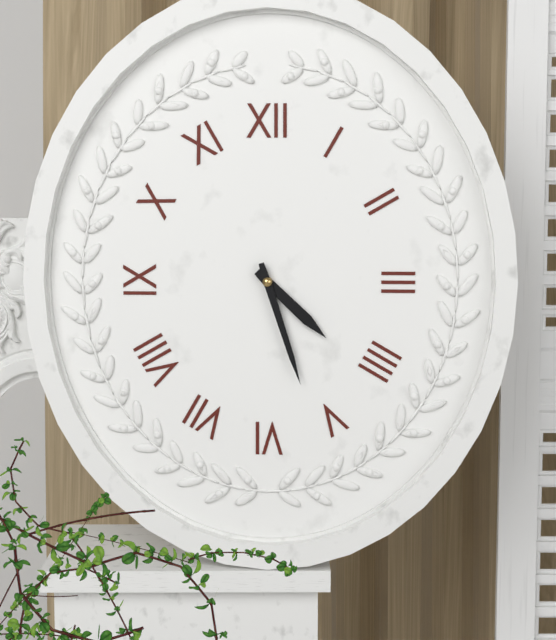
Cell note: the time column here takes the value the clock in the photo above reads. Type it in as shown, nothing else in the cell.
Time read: 4:27
